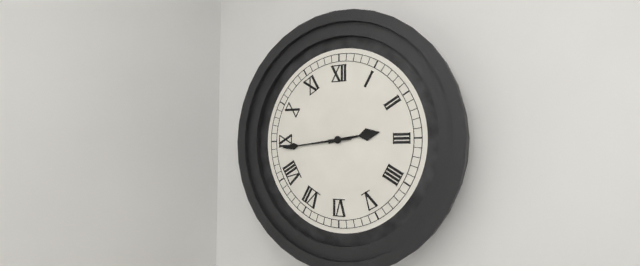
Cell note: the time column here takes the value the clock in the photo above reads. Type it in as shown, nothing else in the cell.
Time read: 2:44
